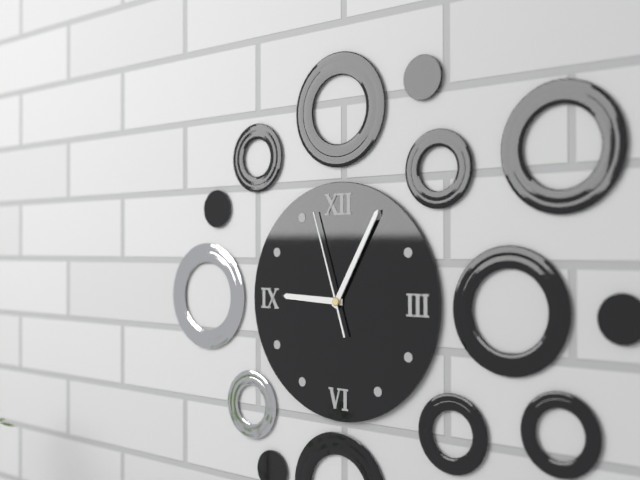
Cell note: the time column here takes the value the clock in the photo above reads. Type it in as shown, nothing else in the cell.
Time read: 9:05:57
